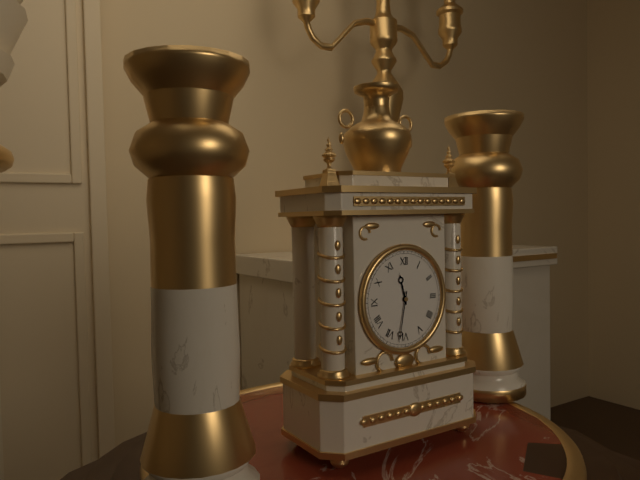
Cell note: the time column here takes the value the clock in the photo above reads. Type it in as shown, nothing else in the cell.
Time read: 11:32
